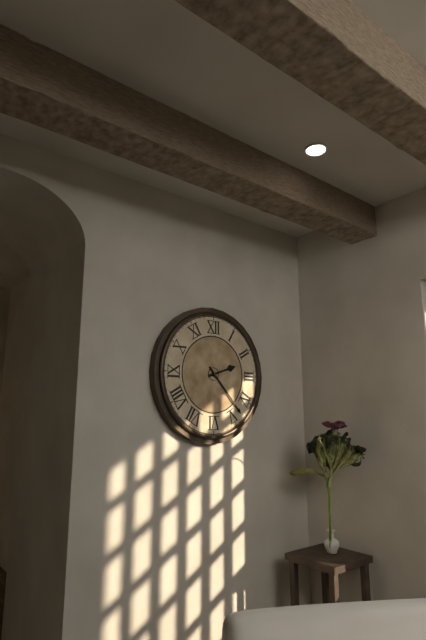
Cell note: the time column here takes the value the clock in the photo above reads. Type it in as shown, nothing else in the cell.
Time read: 2:23
